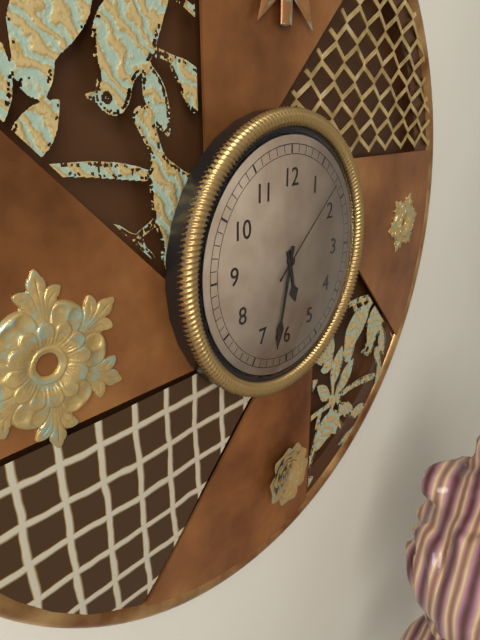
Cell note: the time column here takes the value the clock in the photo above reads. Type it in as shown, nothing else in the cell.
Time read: 5:32:08
